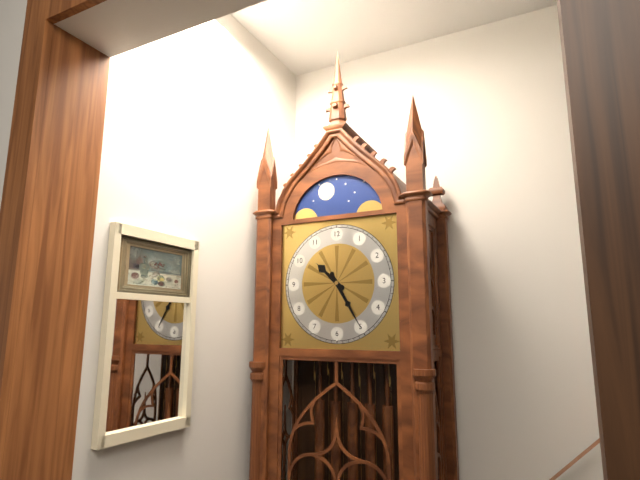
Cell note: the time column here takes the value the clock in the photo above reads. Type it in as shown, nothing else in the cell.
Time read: 10:25
